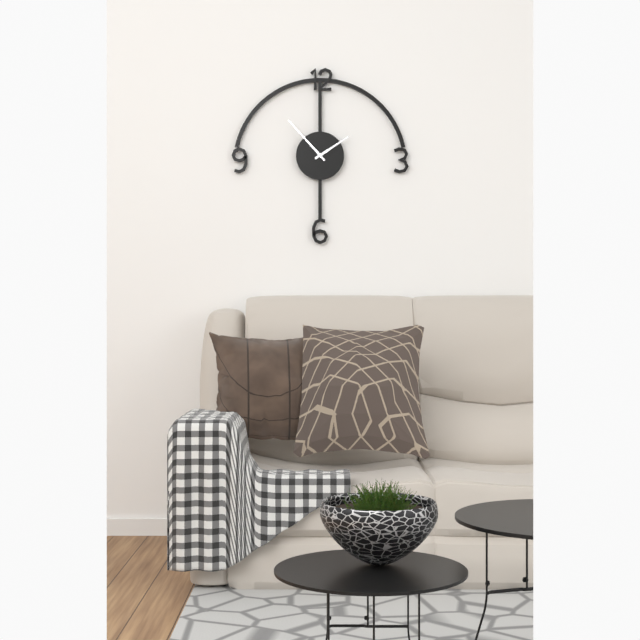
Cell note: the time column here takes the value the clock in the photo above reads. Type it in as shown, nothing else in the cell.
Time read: 1:53
